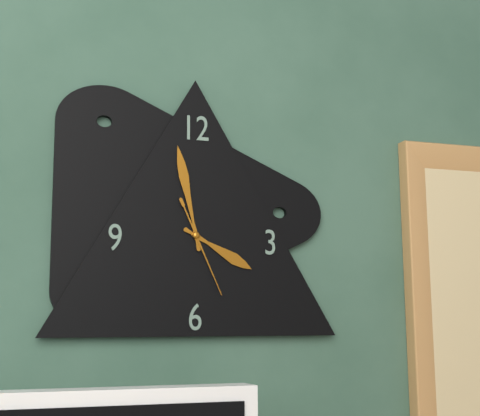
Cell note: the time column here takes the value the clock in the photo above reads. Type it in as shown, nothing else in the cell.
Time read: 3:58:26
